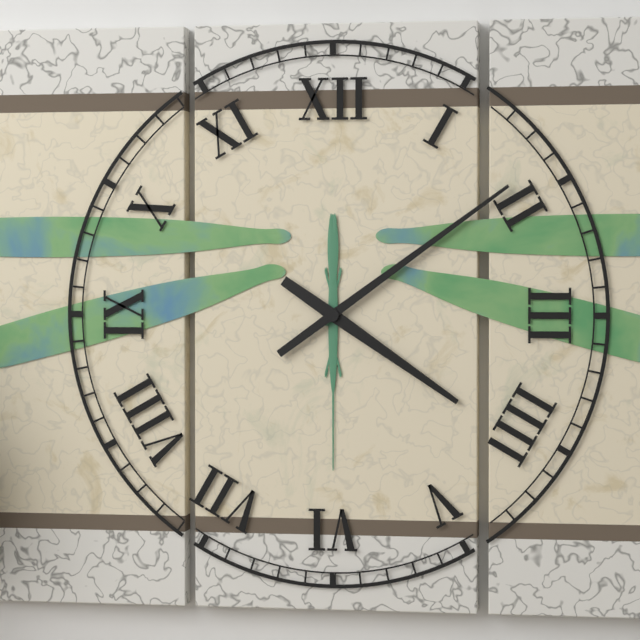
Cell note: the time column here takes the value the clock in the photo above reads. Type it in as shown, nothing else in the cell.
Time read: 4:09
